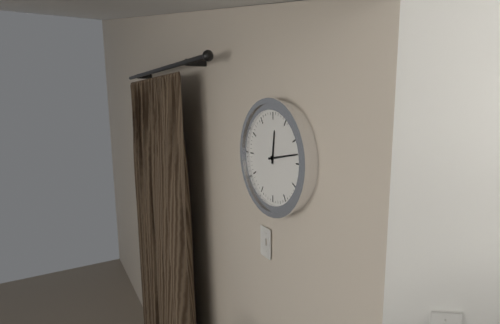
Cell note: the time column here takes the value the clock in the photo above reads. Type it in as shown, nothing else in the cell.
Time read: 12:13
